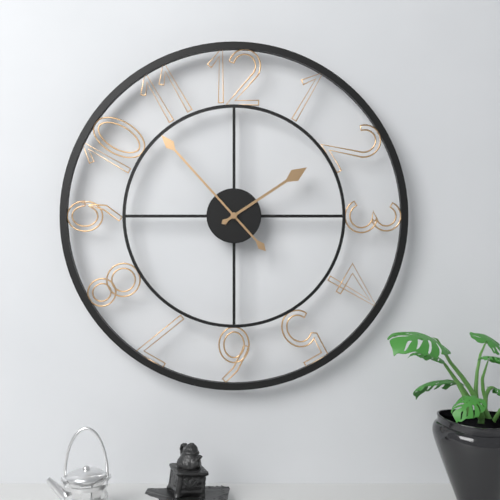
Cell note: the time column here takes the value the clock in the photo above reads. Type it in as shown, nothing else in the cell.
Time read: 1:53
